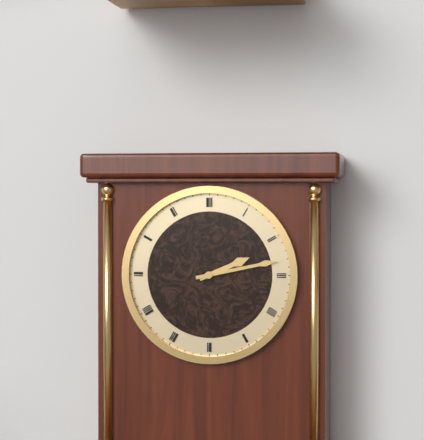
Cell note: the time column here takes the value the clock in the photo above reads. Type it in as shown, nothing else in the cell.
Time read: 2:13
